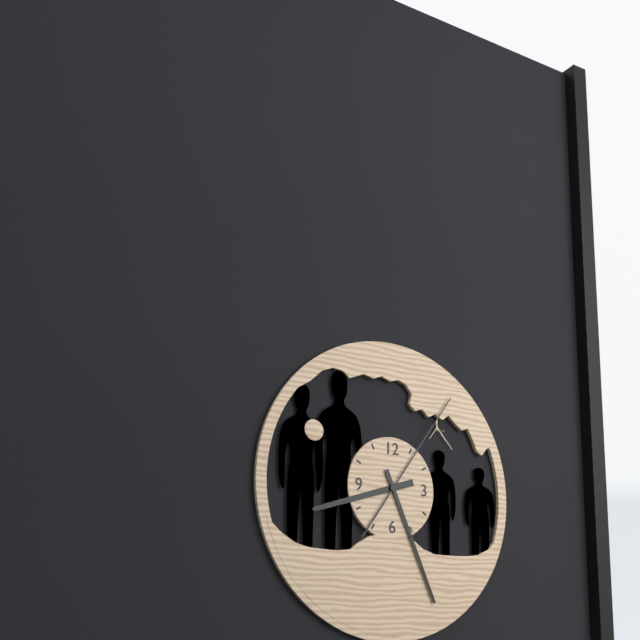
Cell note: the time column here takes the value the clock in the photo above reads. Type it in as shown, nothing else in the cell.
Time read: 8:26:06
